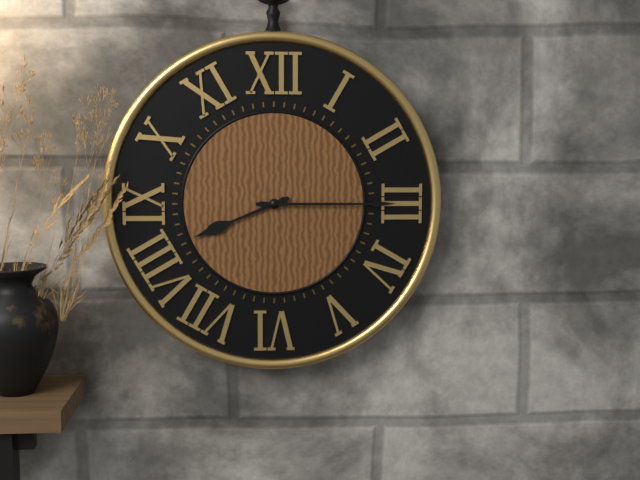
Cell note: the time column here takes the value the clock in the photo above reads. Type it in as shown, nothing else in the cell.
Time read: 8:15
